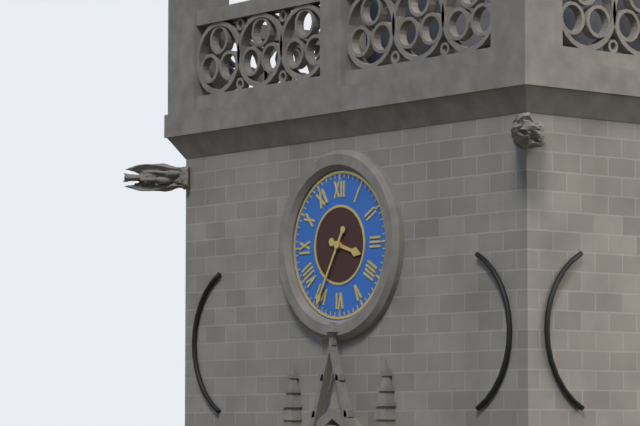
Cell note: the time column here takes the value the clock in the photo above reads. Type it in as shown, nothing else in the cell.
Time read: 3:35
